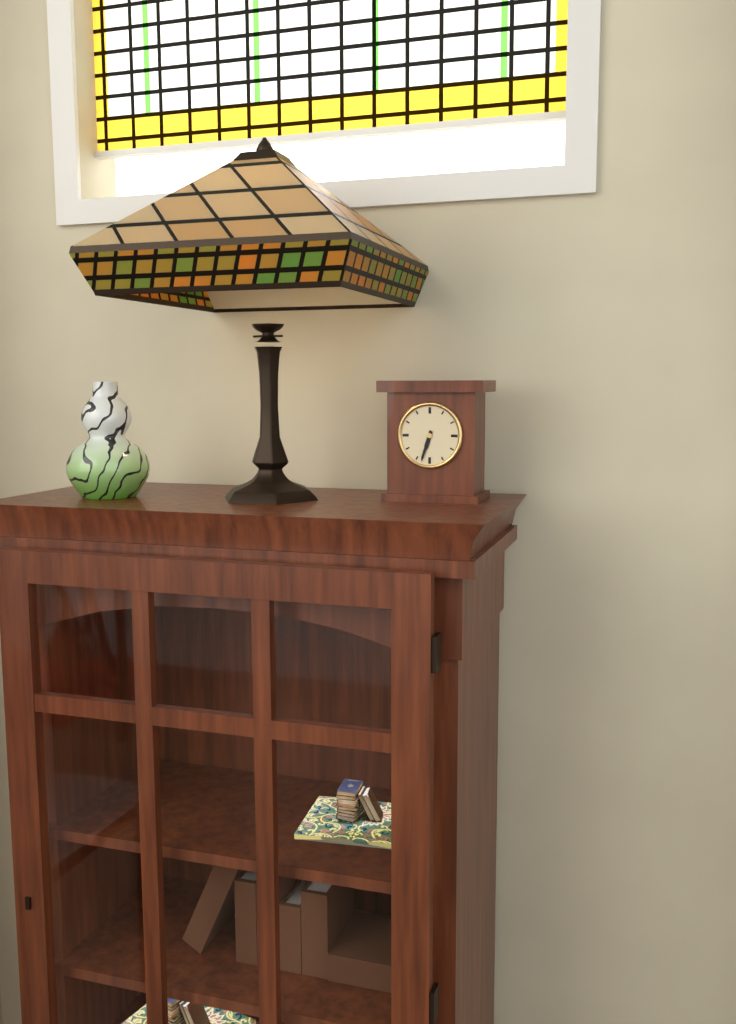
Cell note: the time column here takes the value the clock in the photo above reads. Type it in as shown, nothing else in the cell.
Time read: 6:33
